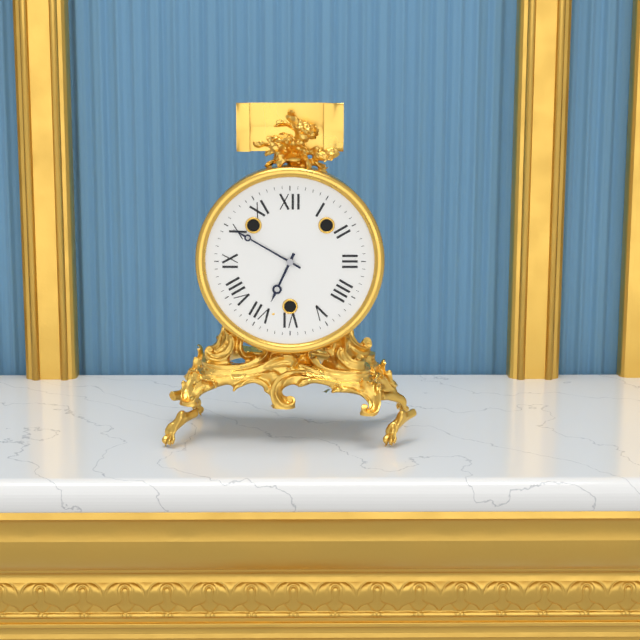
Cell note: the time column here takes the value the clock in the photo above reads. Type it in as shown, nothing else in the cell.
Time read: 6:50
